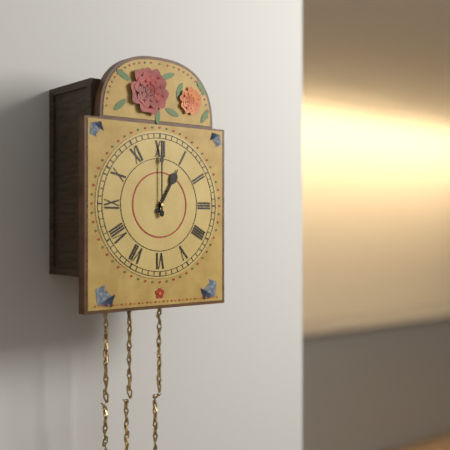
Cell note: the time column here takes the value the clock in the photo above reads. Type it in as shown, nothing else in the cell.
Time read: 1:00
